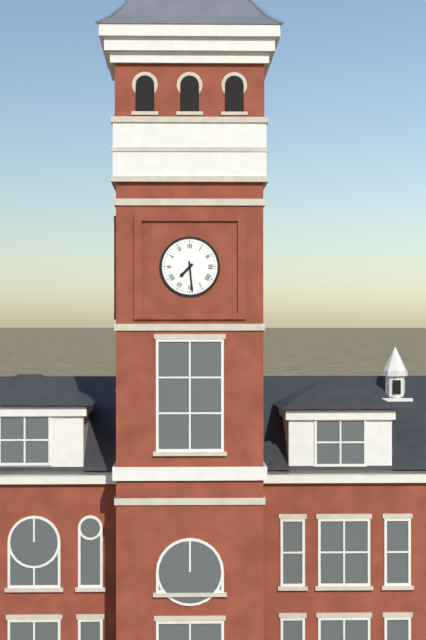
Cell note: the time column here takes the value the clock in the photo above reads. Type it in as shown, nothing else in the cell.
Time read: 7:29
